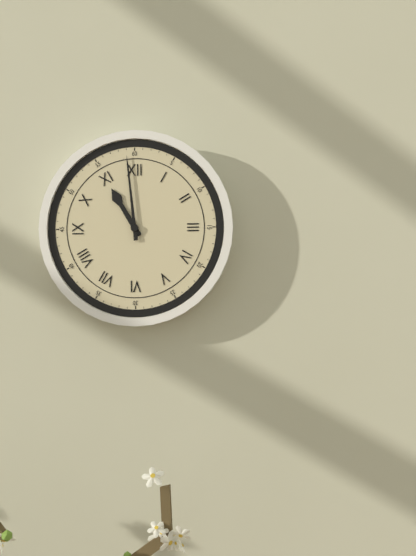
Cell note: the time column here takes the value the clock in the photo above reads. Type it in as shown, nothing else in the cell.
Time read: 10:59
